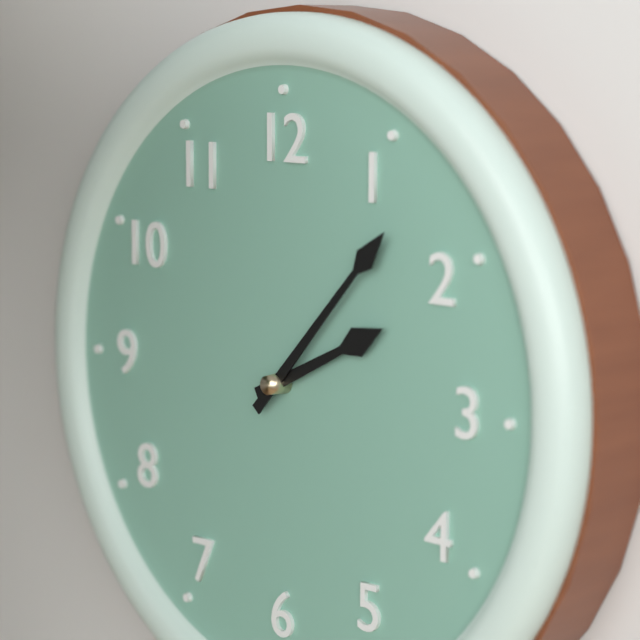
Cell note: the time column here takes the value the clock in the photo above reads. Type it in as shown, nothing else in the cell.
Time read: 2:07
